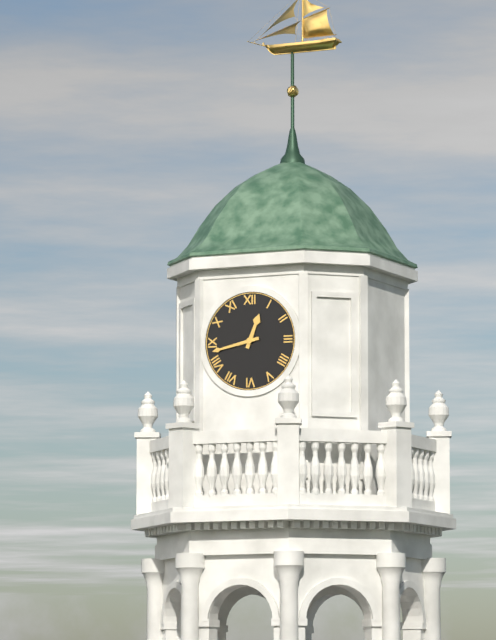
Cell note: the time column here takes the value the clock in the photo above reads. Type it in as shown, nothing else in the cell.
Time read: 12:43
